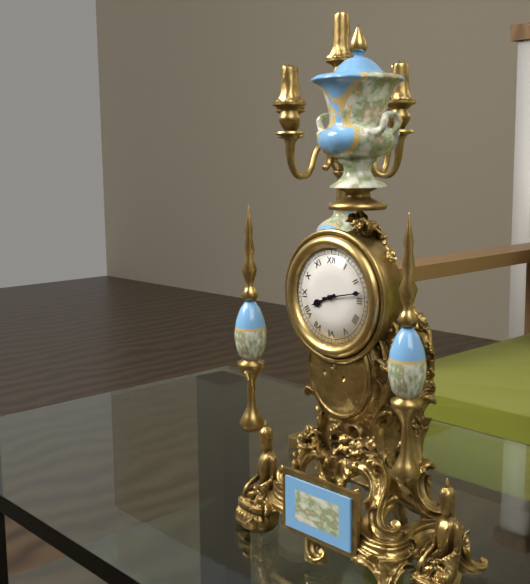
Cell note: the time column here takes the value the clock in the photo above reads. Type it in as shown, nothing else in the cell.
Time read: 8:13
